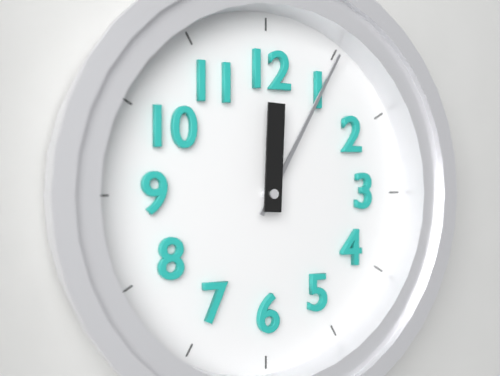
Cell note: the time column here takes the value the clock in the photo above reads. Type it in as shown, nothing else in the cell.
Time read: 12:05
